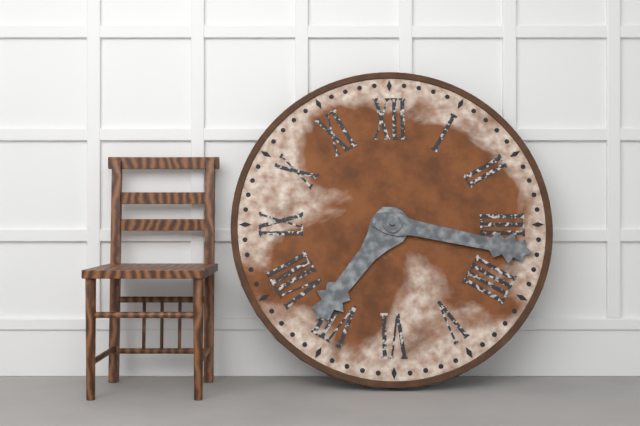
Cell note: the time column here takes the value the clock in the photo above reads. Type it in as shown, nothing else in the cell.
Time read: 7:17
